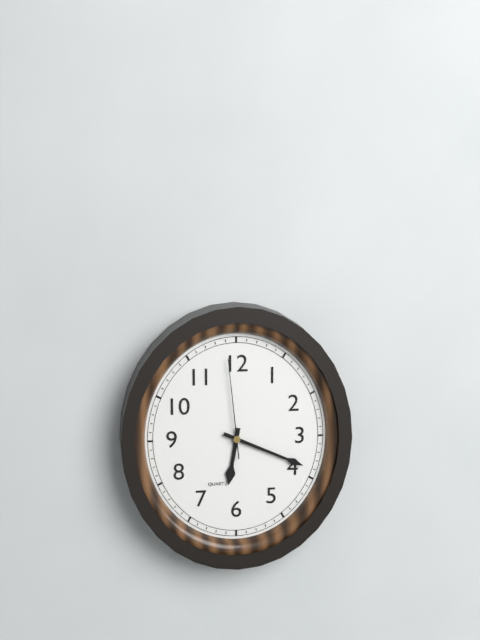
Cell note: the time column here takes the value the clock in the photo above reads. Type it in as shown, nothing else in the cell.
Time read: 6:19:59
